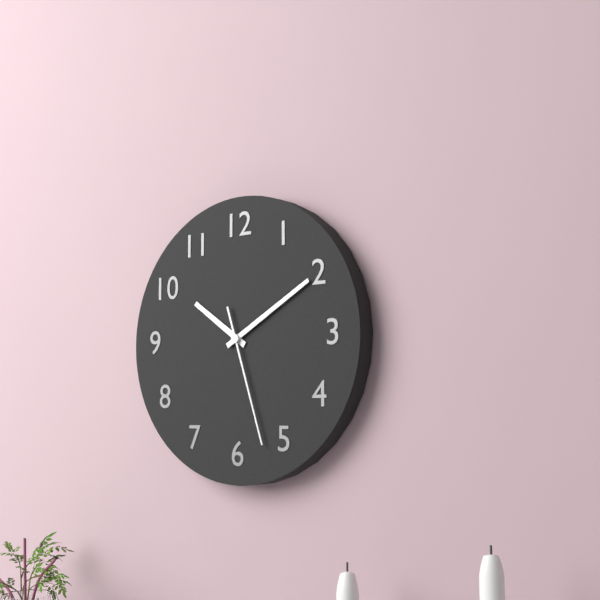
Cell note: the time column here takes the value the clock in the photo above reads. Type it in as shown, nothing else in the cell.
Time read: 10:10:27
